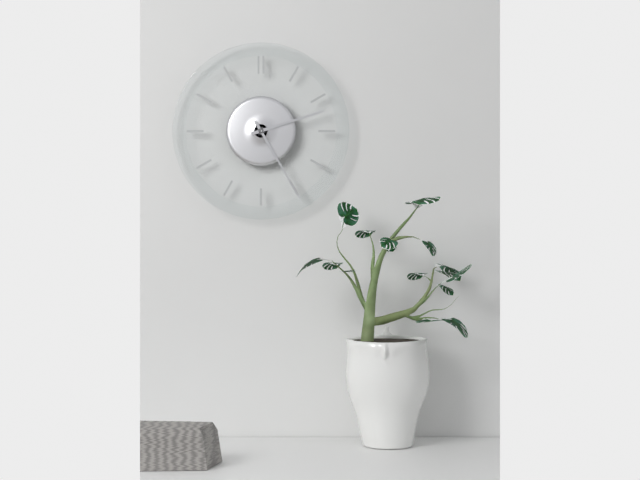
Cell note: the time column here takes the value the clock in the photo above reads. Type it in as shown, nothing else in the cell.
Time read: 2:25
